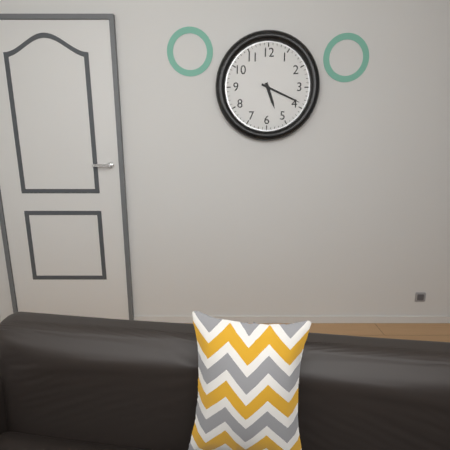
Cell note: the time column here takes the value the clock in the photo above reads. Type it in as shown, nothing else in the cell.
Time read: 5:19
